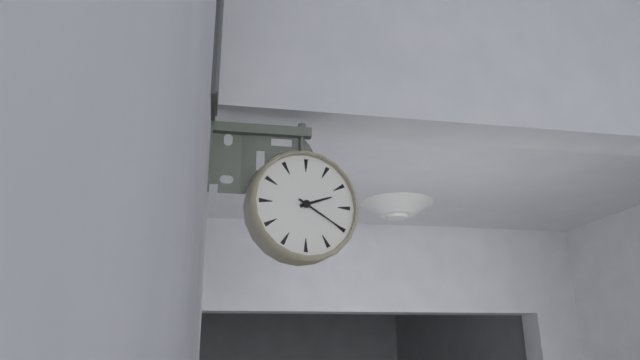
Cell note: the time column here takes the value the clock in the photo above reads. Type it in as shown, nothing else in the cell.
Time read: 2:20
